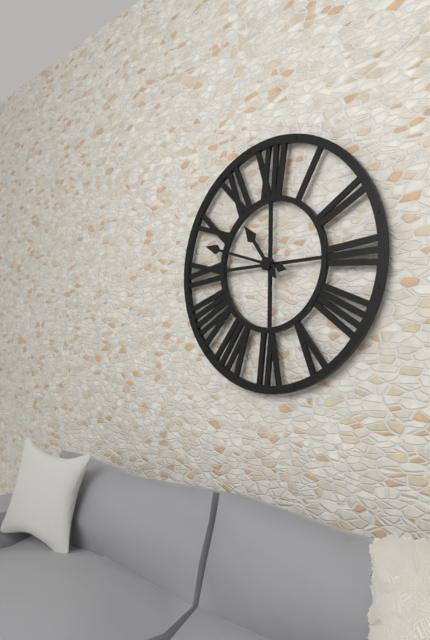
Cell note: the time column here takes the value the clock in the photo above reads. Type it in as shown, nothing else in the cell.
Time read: 10:48
